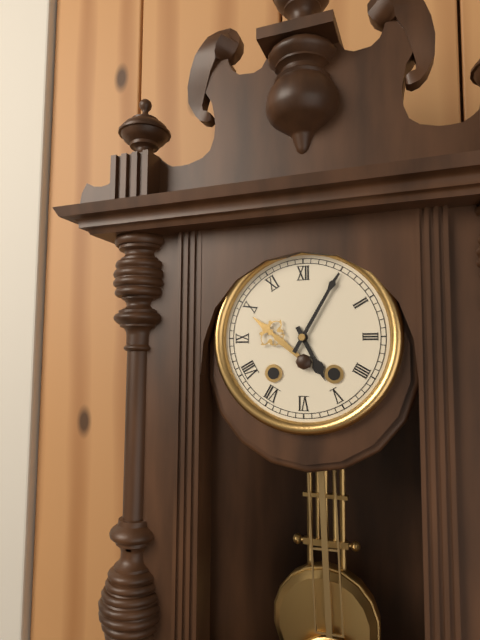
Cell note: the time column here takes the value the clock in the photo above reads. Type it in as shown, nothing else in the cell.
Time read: 5:05
